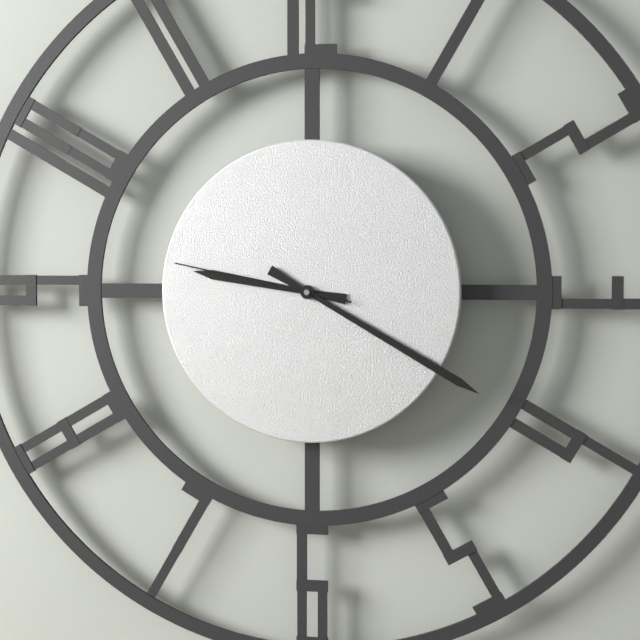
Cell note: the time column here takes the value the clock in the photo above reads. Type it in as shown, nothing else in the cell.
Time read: 9:20:47
